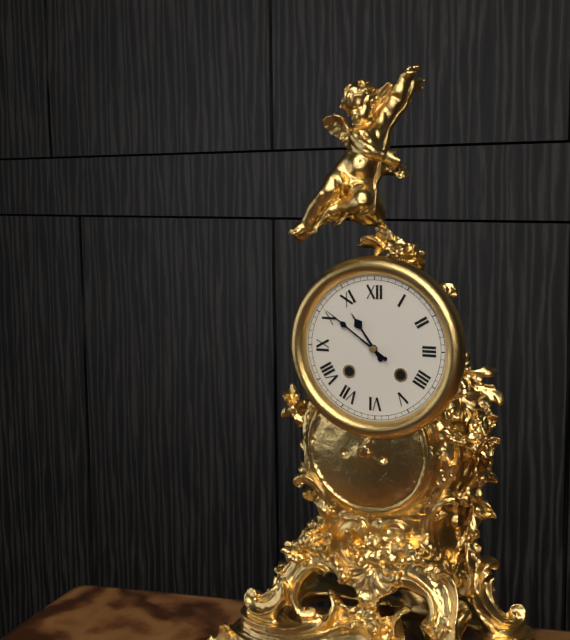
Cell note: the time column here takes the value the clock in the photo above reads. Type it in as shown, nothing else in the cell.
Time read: 10:51
